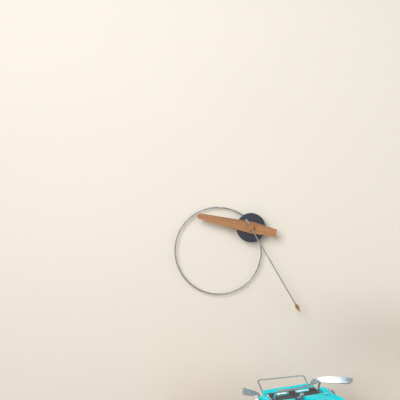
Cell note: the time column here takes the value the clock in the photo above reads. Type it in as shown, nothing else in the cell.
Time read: 9:25
